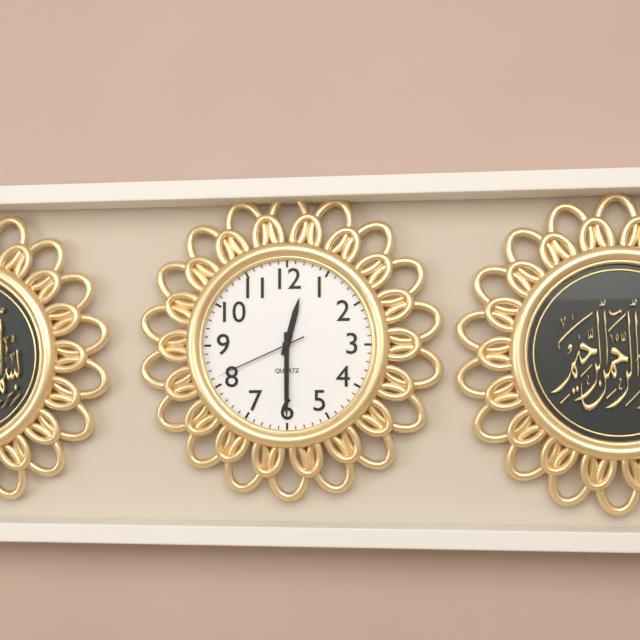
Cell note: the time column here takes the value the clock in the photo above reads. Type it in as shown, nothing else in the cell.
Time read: 12:30:41
